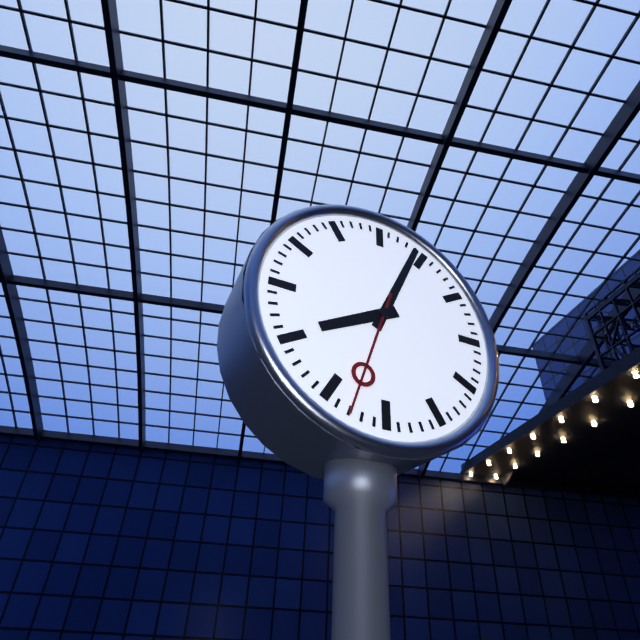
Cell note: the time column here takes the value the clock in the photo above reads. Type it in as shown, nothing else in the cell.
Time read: 8:04:33
